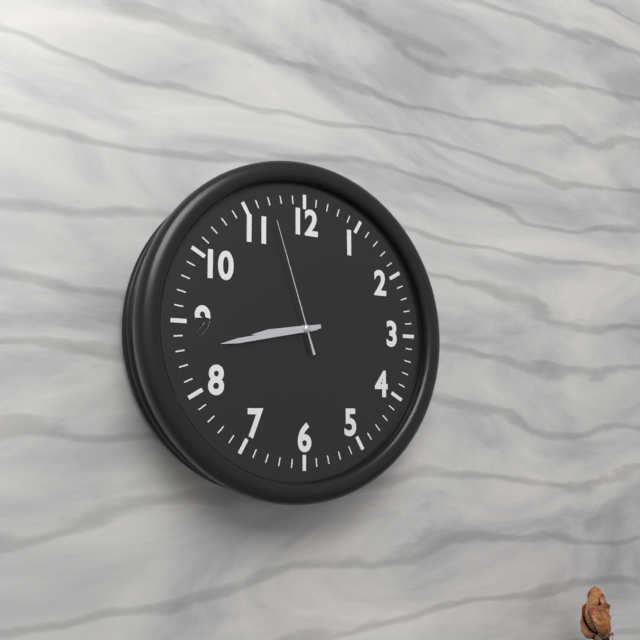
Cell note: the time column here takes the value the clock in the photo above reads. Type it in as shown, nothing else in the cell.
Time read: 8:43:57
